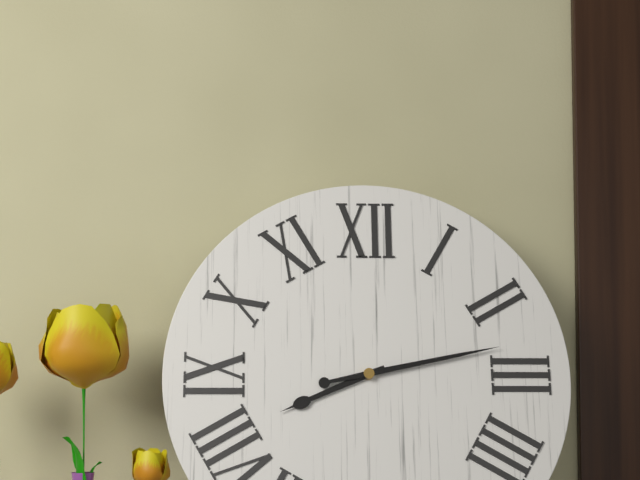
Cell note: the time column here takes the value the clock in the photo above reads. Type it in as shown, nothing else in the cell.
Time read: 8:13
